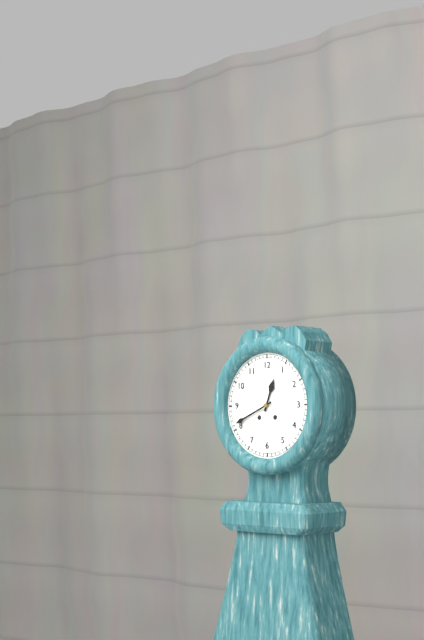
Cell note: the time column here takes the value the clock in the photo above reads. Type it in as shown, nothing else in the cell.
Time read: 12:41
